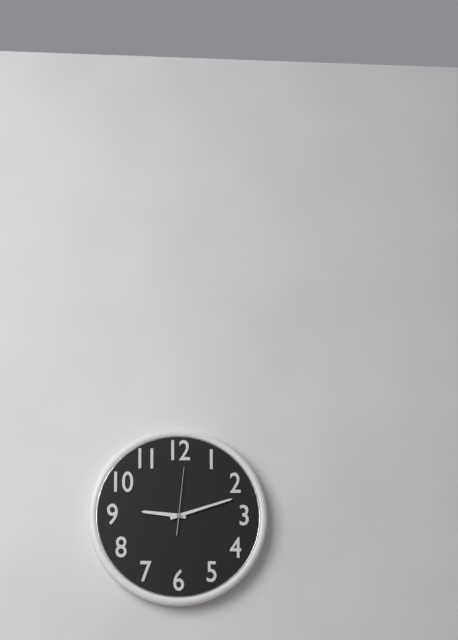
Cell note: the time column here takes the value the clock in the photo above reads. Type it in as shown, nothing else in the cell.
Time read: 9:12:01
